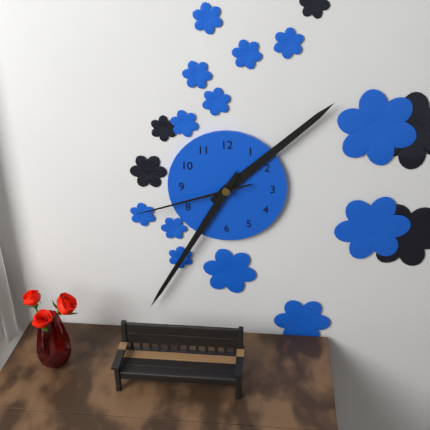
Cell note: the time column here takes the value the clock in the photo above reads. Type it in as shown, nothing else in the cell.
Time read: 1:35:42
